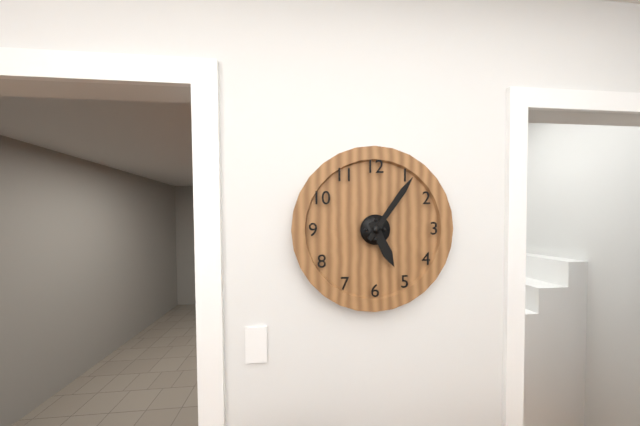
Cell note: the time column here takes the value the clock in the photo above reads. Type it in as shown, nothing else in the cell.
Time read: 5:06
